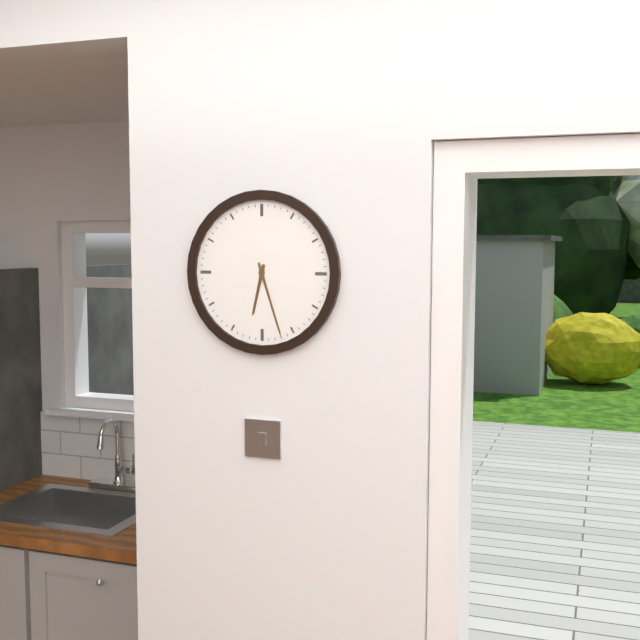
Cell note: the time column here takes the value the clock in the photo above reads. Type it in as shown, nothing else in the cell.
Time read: 6:27
